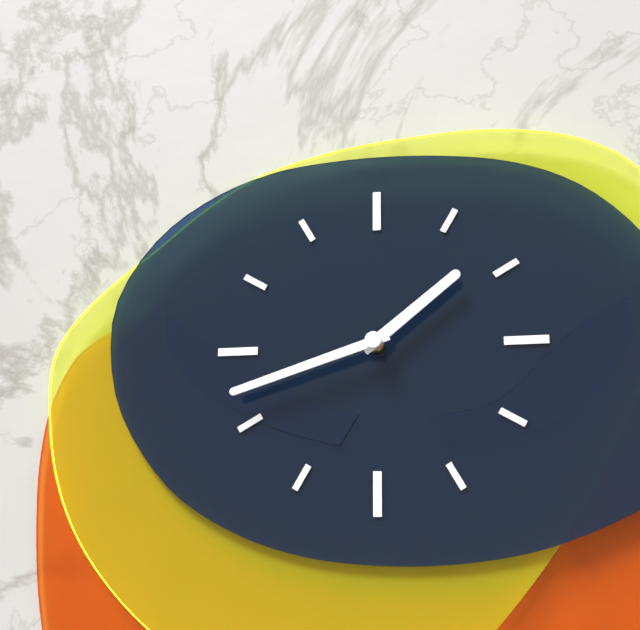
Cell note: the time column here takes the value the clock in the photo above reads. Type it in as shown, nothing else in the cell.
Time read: 1:42
